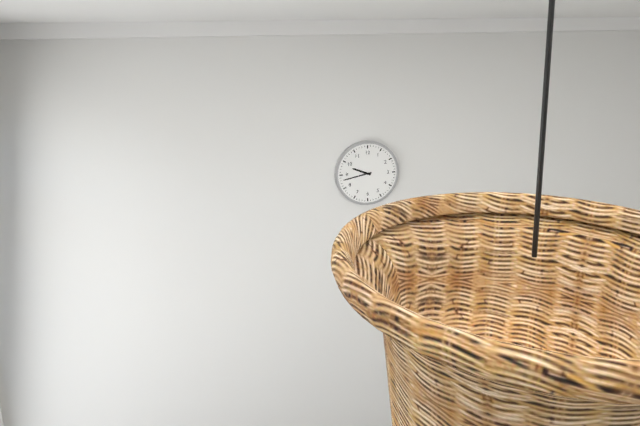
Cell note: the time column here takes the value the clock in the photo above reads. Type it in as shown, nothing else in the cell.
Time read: 9:43
